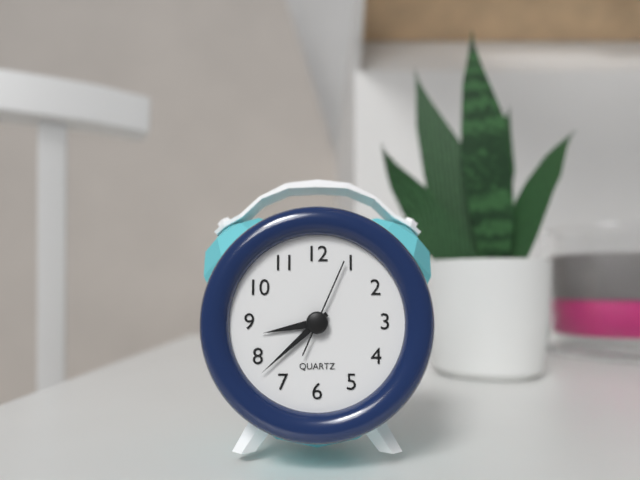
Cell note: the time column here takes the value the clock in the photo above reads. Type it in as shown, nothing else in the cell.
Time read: 8:38:04
